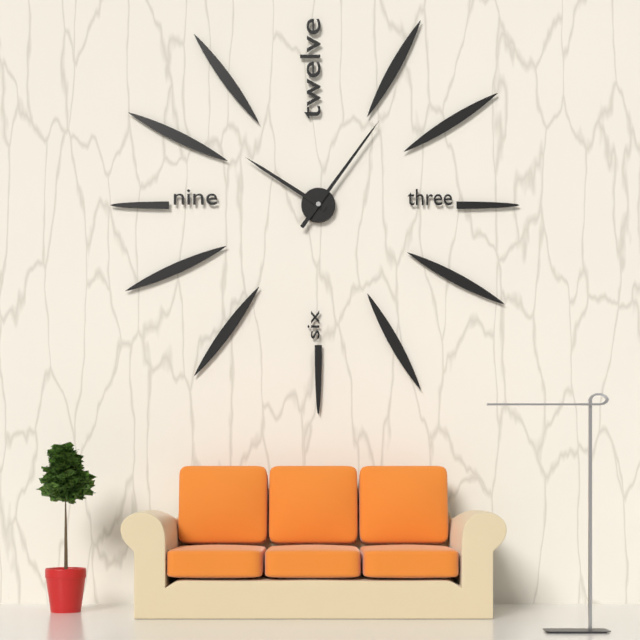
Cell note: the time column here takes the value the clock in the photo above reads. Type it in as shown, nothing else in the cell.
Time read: 10:06
